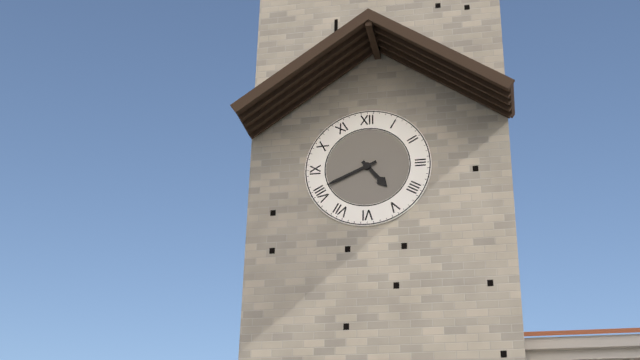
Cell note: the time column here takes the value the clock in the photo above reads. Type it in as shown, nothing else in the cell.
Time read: 4:41
